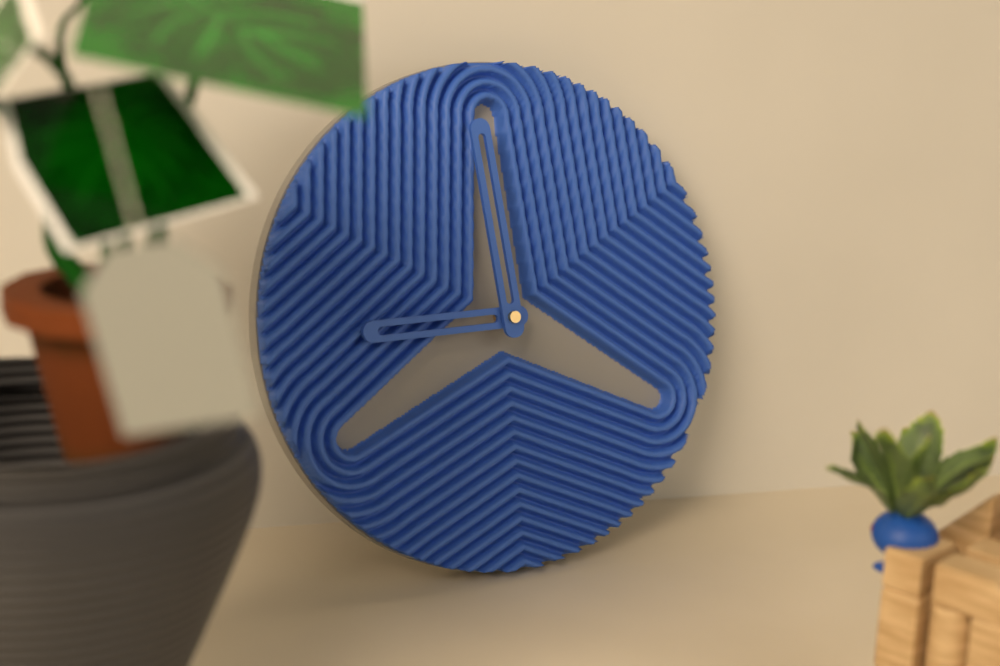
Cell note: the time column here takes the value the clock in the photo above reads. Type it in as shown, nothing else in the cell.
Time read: 8:59
